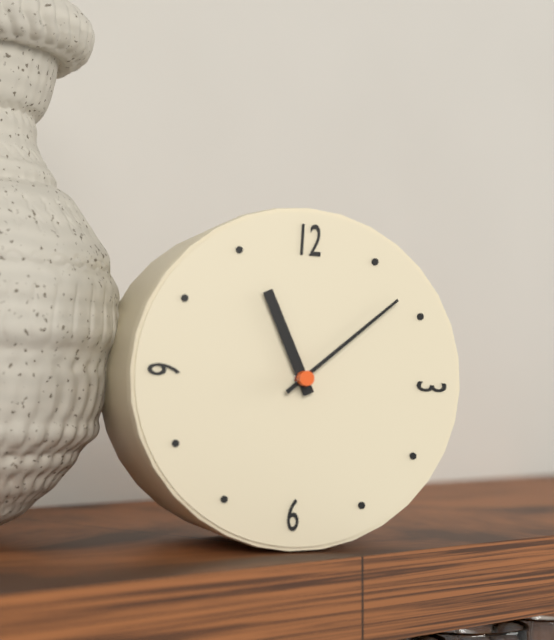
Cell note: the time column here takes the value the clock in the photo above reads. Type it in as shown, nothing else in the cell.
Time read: 11:08
